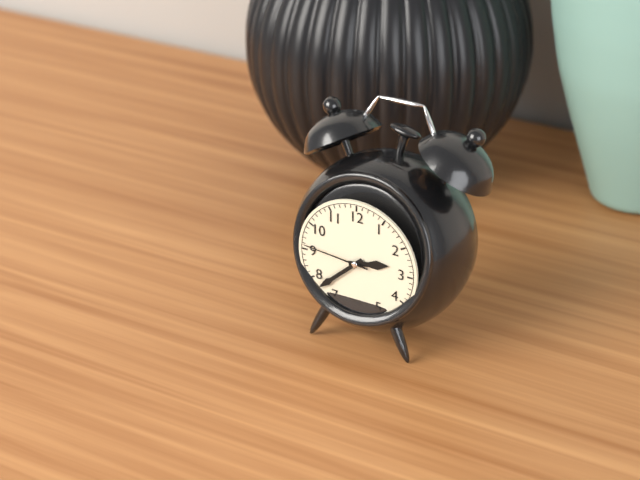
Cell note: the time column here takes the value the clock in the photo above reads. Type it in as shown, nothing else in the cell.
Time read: 2:38:46
